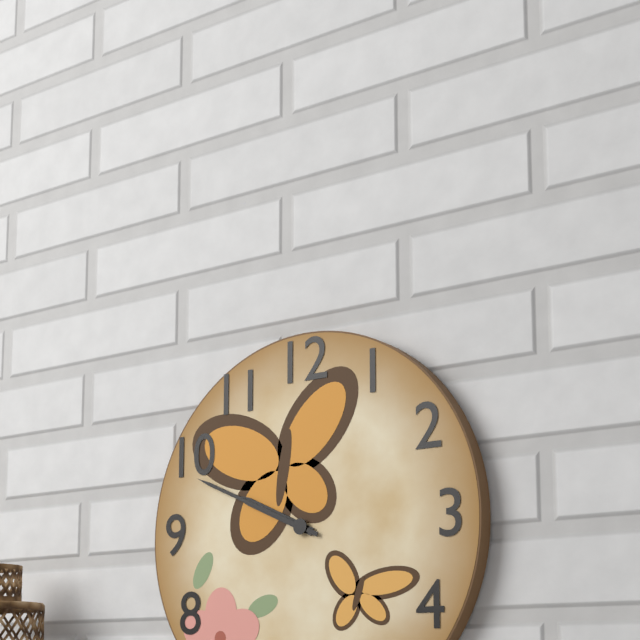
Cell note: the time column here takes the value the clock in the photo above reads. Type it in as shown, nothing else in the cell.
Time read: 9:49
